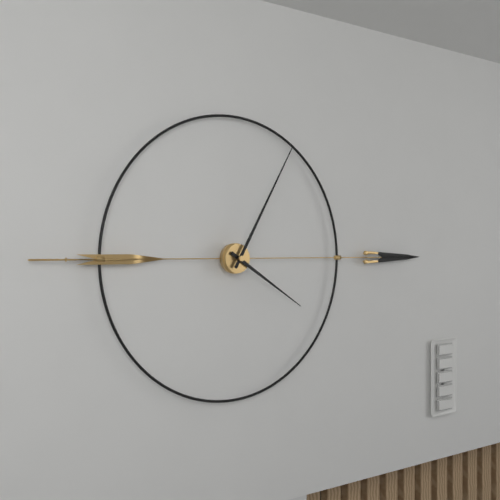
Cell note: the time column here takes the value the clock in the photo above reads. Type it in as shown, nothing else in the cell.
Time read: 4:05
